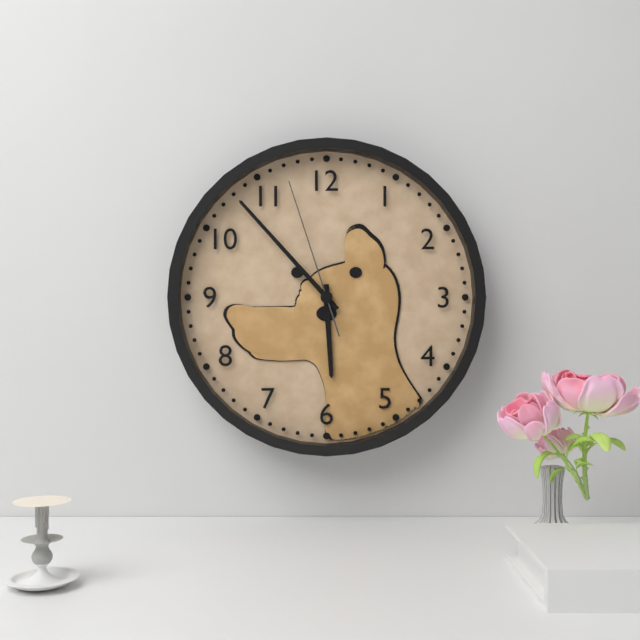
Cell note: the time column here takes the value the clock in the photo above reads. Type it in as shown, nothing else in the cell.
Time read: 5:53:57
